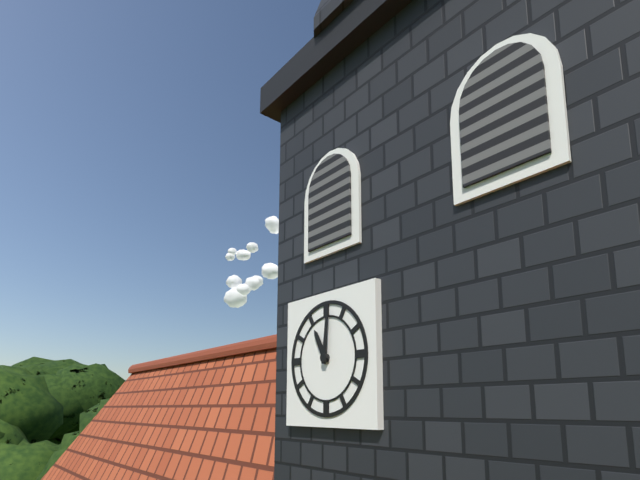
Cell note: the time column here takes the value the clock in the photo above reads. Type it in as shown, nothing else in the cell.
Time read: 11:01
